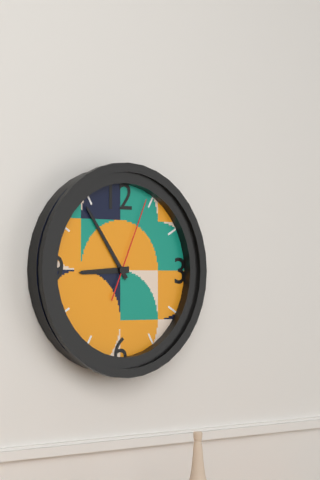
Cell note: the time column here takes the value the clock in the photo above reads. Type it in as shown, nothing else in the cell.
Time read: 8:54:04
